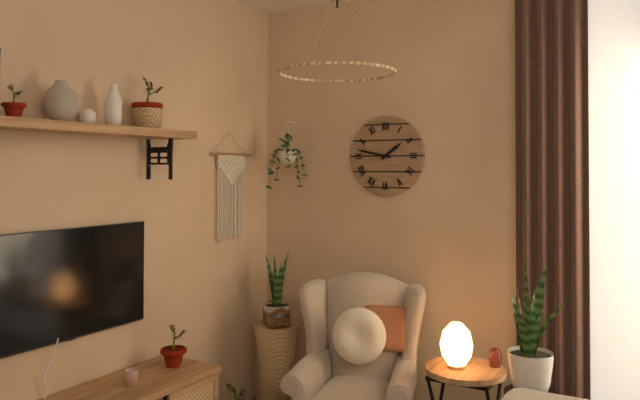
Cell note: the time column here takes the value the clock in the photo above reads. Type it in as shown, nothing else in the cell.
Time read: 1:47
